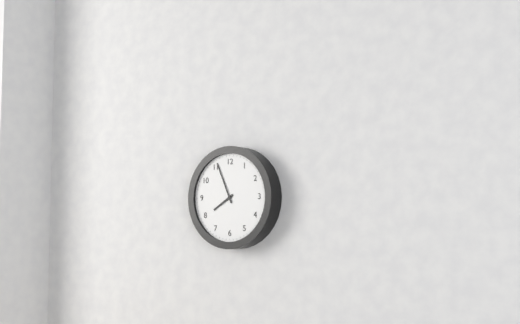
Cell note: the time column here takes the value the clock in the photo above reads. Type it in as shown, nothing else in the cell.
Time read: 7:56
